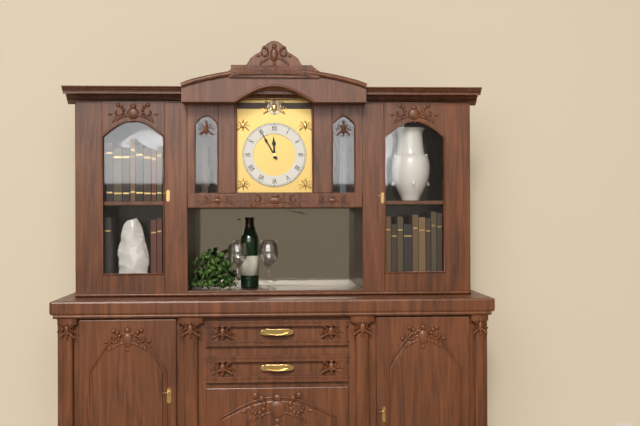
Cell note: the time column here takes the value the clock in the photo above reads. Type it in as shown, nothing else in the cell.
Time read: 11:55
